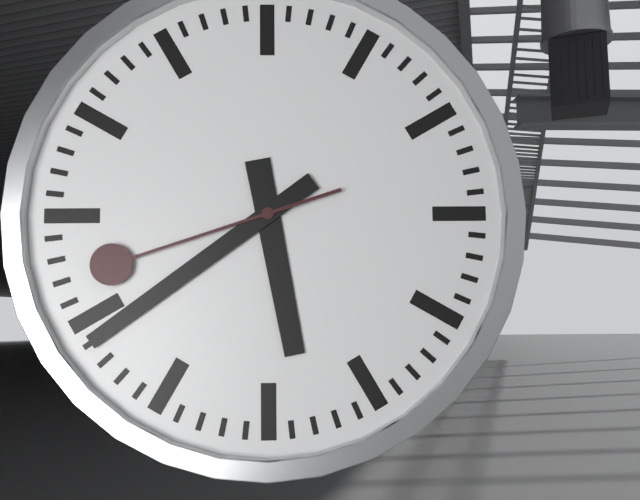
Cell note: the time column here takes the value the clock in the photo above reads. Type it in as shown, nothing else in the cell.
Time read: 5:39:42
